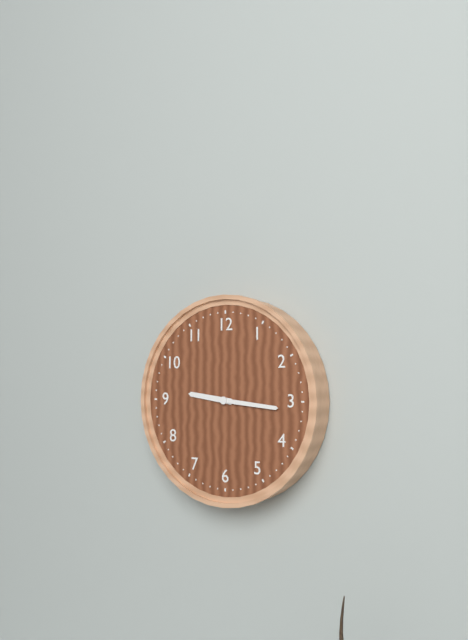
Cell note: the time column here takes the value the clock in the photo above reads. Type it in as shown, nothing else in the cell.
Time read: 9:16
